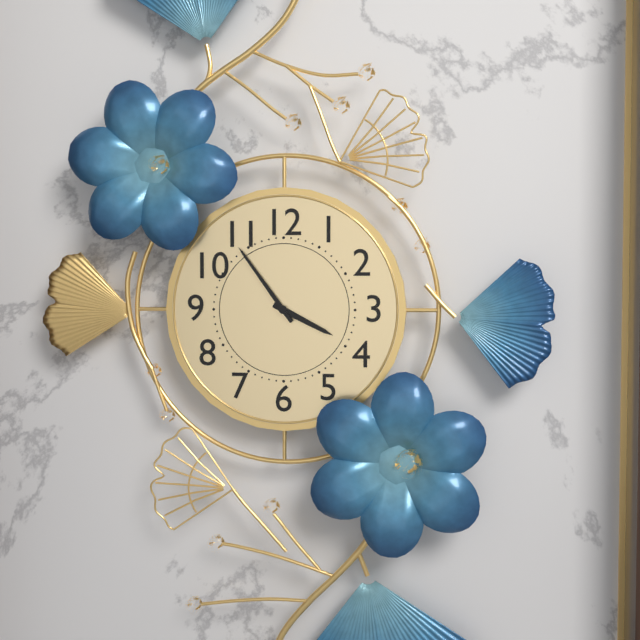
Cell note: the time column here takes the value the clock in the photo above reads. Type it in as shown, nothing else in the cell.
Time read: 3:54
